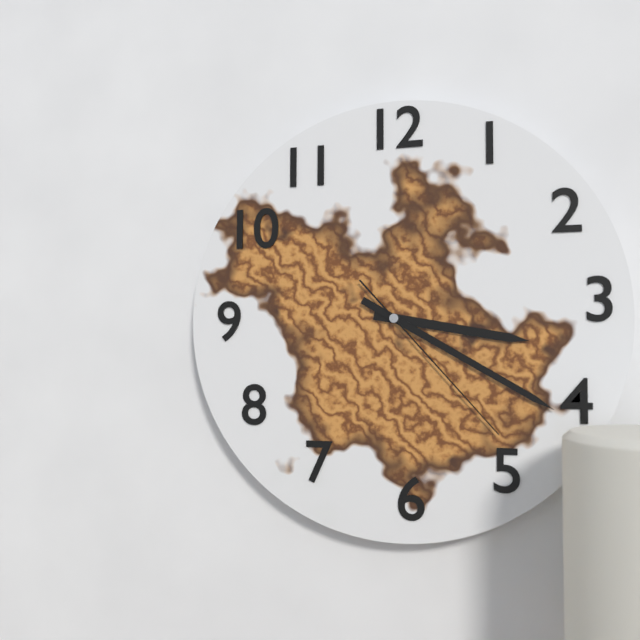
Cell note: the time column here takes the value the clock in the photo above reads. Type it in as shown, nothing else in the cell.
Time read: 3:20:23
